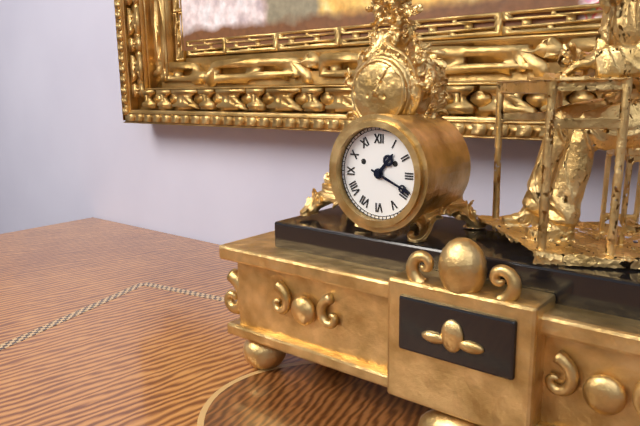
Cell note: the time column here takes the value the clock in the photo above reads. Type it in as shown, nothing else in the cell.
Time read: 1:19
